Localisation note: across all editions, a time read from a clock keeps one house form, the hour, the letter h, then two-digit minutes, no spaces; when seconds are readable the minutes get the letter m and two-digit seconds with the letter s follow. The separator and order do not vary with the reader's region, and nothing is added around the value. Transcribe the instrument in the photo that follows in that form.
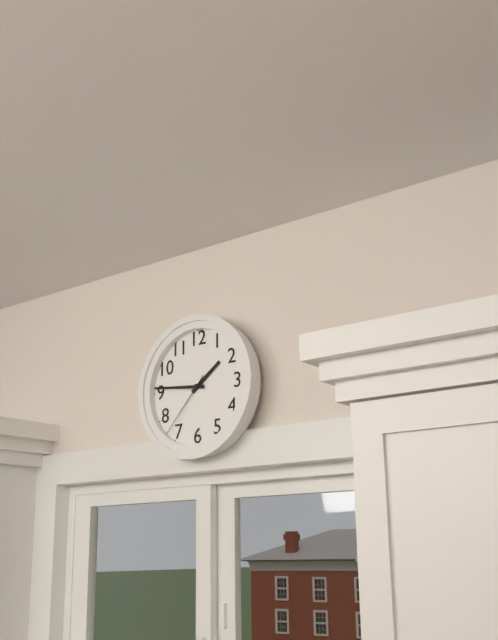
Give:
1h46m37s
